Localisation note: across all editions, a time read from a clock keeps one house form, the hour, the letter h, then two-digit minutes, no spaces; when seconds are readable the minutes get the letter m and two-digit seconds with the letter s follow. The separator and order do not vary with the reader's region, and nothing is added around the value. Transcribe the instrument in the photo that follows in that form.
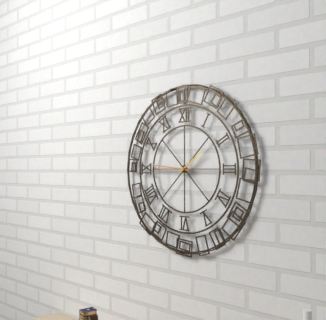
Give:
1h46
